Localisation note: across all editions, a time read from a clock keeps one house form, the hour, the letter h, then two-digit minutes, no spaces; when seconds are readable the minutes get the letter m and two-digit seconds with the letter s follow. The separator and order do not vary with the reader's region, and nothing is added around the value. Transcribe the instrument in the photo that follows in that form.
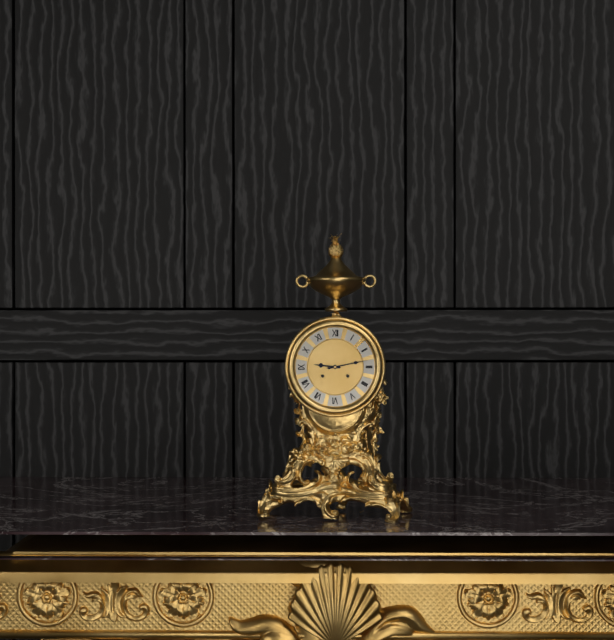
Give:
9h13
